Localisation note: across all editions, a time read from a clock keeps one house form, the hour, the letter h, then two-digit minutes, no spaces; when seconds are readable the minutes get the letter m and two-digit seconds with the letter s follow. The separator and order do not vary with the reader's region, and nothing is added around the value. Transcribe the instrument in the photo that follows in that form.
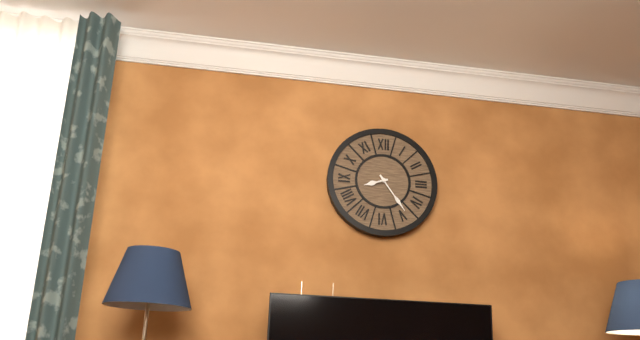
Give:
8h24
